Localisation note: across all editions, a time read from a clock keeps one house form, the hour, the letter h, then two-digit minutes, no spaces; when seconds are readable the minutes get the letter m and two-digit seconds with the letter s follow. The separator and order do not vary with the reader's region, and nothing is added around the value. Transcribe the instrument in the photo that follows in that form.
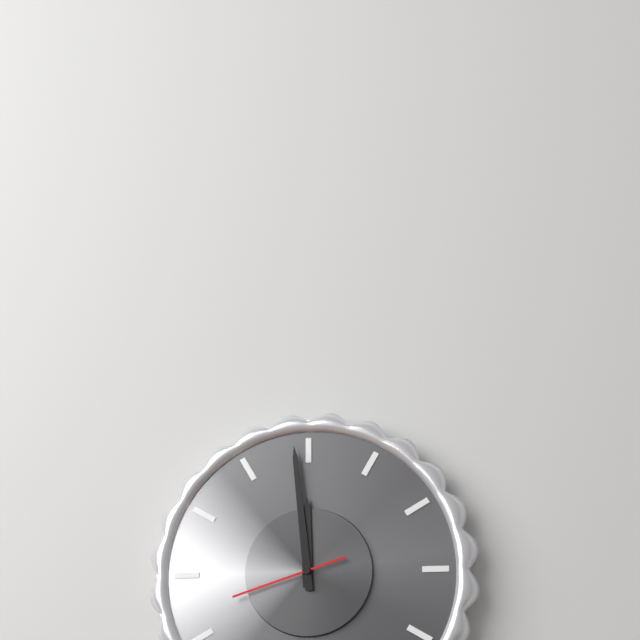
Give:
11h59m42s
